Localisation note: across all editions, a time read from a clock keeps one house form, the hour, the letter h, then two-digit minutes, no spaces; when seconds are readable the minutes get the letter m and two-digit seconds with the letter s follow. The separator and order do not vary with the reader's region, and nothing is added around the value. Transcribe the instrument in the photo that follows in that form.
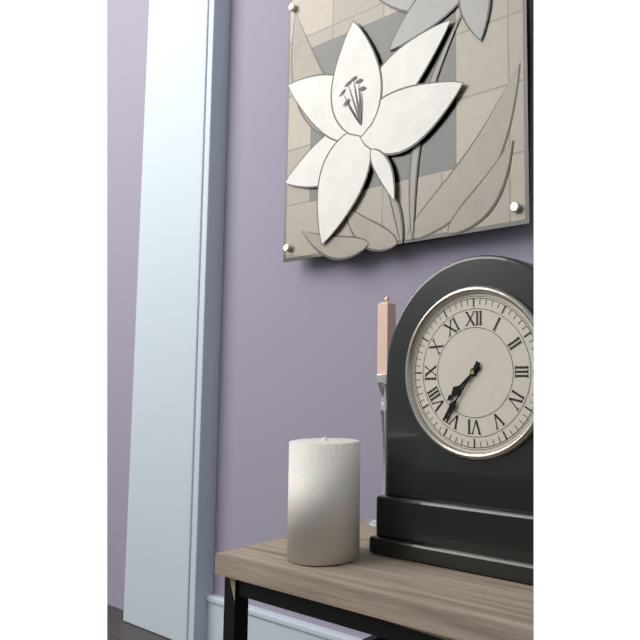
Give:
7h36
